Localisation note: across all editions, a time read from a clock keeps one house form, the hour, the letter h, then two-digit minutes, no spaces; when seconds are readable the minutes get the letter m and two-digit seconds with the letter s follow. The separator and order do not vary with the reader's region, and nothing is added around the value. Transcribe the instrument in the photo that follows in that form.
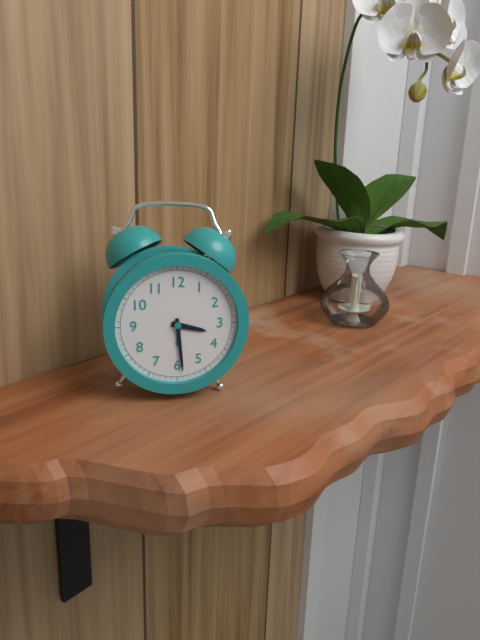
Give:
3h29
